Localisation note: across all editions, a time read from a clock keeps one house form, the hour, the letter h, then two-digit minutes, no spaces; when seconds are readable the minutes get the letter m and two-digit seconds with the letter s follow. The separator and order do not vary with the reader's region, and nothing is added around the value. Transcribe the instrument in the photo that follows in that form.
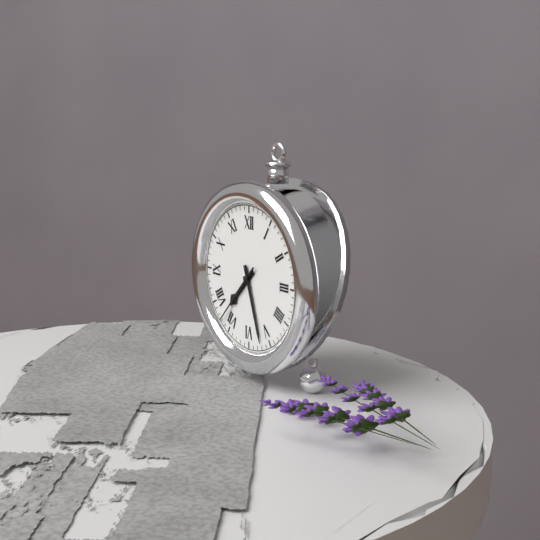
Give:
7h27m37s
